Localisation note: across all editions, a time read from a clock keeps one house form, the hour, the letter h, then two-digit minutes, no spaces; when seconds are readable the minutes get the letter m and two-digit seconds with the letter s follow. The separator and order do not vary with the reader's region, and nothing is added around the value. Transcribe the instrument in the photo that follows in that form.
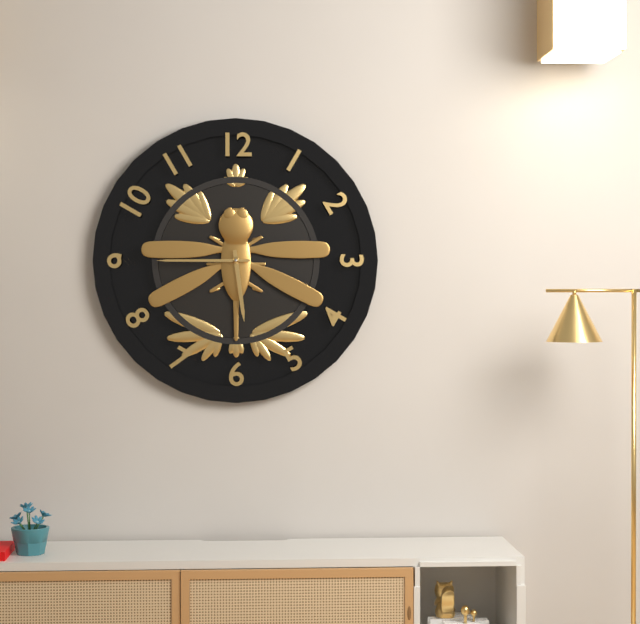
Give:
5h45
